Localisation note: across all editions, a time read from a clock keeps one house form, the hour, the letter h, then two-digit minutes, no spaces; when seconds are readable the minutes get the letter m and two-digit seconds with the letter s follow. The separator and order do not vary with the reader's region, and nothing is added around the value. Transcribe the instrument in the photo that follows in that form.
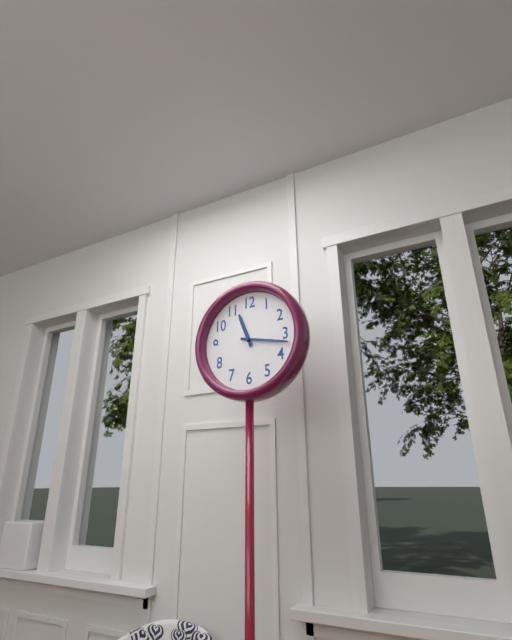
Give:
11h17
